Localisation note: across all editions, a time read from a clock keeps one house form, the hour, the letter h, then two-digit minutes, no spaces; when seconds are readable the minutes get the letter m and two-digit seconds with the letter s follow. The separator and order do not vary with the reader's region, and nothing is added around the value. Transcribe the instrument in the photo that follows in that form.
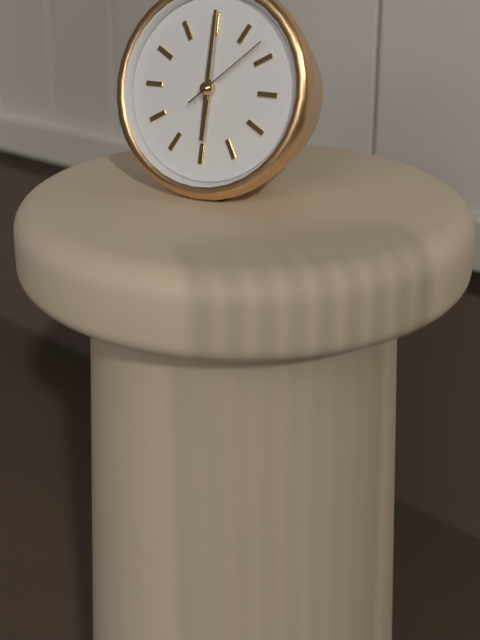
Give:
6h00m08s
